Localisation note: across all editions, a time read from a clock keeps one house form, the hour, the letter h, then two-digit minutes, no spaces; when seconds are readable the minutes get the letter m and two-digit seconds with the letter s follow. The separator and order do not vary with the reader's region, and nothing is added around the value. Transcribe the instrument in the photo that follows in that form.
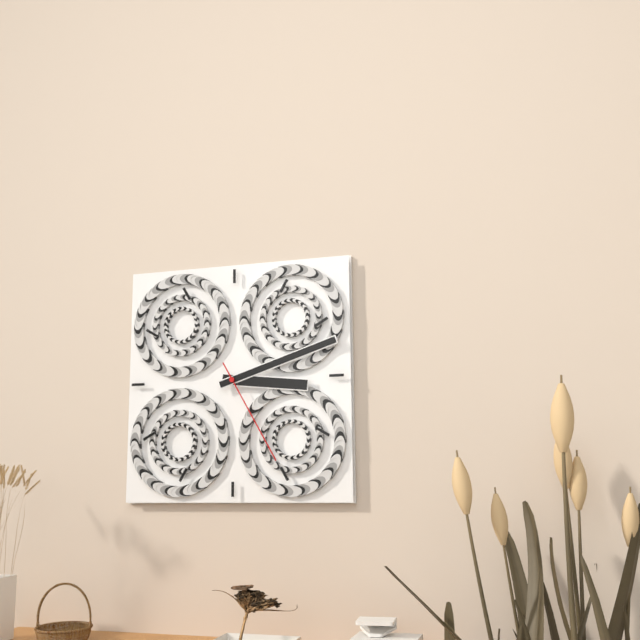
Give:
3h12m25s
